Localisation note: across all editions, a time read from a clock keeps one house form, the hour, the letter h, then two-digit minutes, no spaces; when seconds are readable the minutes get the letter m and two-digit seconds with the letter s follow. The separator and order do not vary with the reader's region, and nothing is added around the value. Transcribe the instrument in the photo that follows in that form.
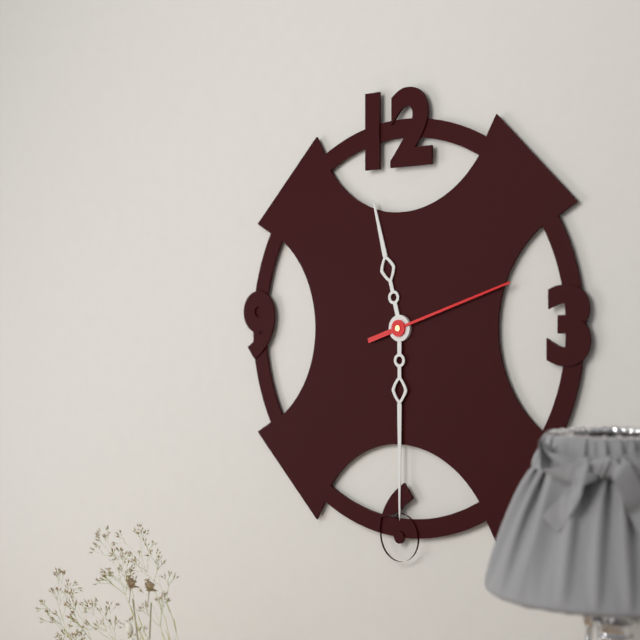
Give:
11h30m12s
